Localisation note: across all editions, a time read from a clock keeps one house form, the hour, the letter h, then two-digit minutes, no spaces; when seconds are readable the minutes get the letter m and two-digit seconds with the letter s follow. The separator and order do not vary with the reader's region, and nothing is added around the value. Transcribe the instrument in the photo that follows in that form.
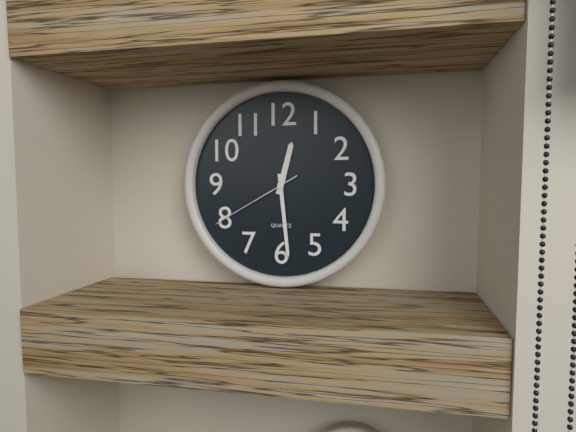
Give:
12h29m40s
